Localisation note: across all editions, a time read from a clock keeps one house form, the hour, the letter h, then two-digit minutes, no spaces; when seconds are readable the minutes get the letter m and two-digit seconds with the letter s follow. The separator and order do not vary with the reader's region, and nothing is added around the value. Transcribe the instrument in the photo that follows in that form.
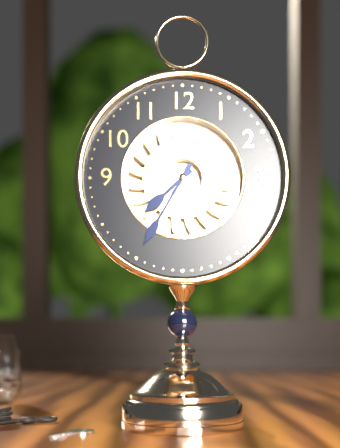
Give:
7h35
